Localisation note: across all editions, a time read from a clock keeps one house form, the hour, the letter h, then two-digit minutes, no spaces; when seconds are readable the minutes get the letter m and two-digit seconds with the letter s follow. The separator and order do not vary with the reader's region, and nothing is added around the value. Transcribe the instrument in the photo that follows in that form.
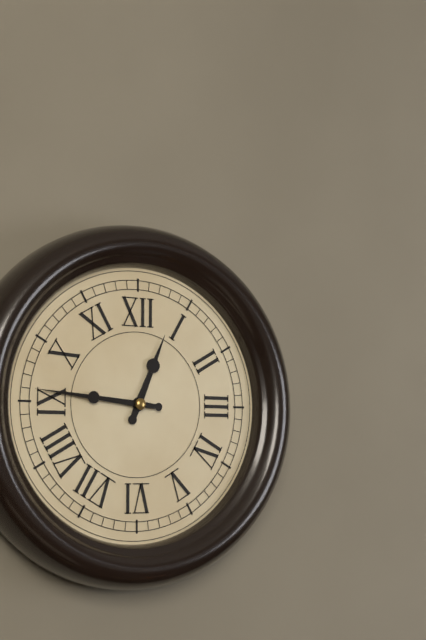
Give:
12h46
